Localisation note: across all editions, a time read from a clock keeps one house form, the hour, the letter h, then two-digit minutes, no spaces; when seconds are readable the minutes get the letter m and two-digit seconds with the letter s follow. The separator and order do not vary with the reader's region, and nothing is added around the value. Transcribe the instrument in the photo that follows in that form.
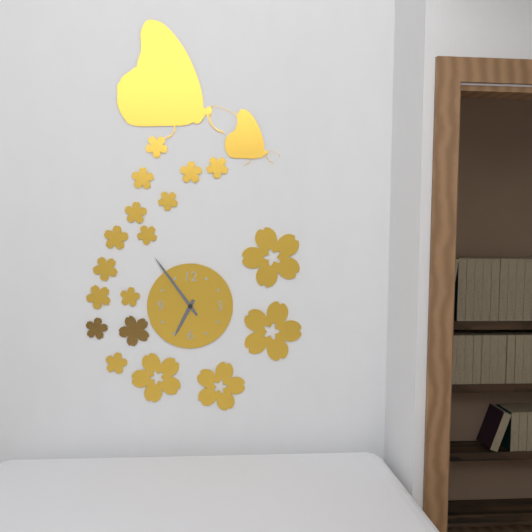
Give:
6h54
